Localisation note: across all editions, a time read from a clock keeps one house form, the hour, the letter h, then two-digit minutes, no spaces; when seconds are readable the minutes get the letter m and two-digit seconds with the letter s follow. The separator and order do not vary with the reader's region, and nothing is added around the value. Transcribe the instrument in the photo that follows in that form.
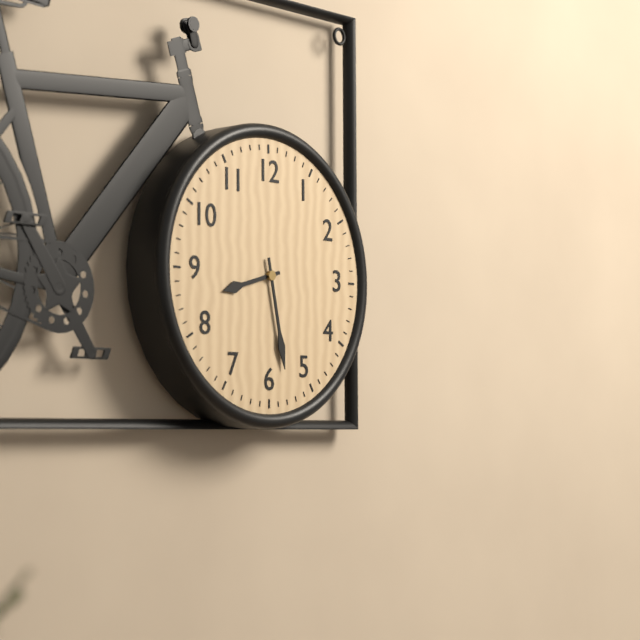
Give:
8h28
